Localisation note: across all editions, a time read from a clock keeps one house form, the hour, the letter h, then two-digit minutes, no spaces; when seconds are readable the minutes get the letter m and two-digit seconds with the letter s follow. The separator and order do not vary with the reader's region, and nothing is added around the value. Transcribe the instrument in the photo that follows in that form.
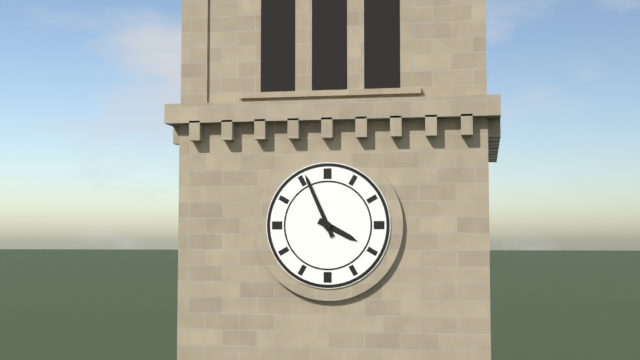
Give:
3h56
